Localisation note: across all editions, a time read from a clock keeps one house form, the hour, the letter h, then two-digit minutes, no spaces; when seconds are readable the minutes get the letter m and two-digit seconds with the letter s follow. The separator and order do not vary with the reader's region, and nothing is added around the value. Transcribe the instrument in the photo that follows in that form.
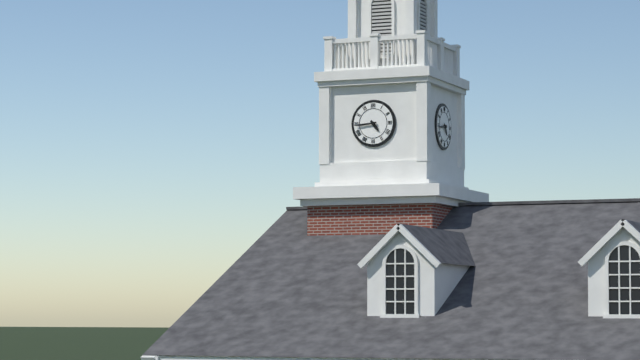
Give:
4h44
